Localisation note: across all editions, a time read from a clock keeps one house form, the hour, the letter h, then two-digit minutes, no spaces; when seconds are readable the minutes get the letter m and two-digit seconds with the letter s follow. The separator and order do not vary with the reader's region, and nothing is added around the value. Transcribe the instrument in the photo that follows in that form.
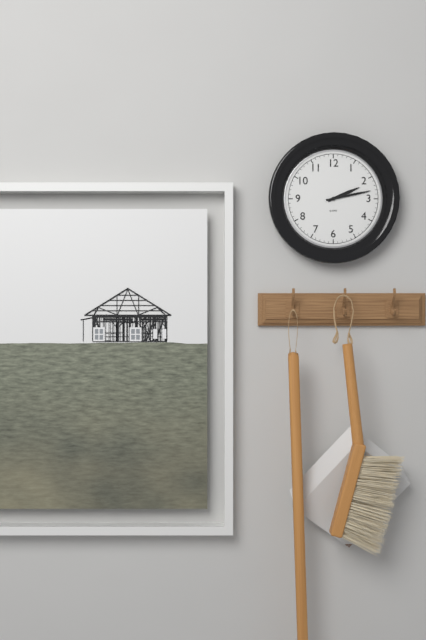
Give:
2h13
